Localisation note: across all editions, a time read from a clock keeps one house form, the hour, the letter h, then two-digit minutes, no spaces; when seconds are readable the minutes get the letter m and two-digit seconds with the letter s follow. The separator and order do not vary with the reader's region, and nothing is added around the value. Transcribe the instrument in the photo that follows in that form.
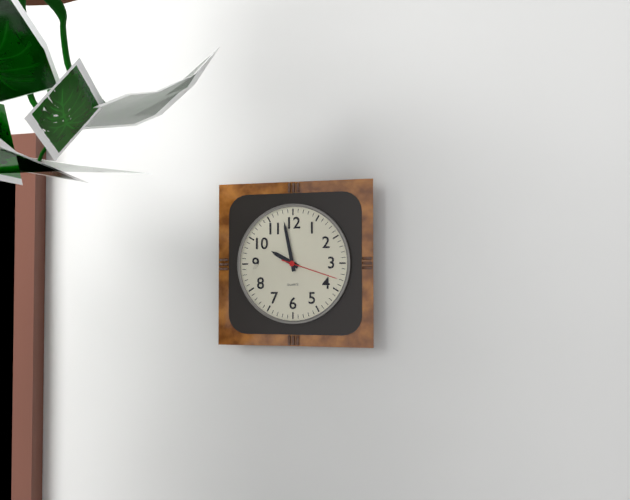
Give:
9h58m18s
